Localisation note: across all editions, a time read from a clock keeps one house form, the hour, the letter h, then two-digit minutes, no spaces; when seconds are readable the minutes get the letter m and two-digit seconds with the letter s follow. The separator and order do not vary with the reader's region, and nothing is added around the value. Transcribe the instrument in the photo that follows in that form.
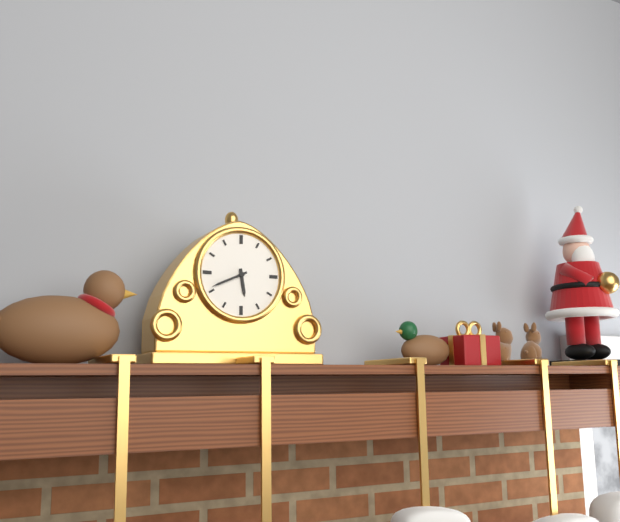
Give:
5h41
